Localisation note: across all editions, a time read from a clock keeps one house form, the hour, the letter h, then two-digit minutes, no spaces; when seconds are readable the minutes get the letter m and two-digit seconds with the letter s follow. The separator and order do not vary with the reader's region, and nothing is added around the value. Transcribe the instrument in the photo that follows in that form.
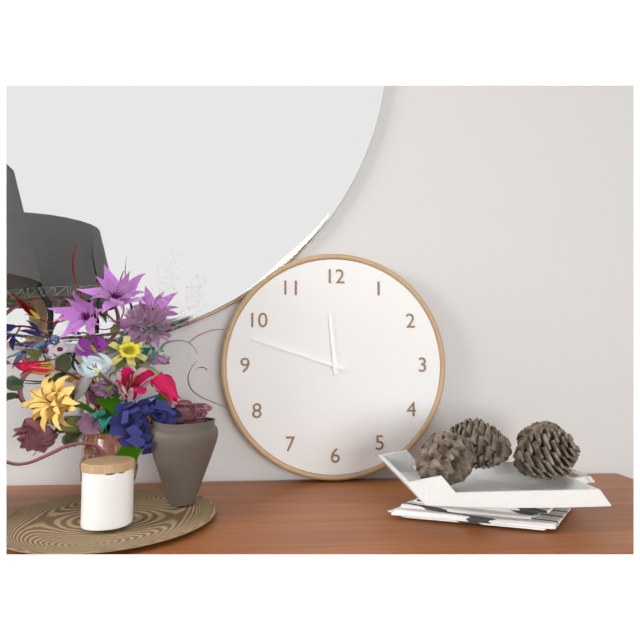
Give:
11h48
